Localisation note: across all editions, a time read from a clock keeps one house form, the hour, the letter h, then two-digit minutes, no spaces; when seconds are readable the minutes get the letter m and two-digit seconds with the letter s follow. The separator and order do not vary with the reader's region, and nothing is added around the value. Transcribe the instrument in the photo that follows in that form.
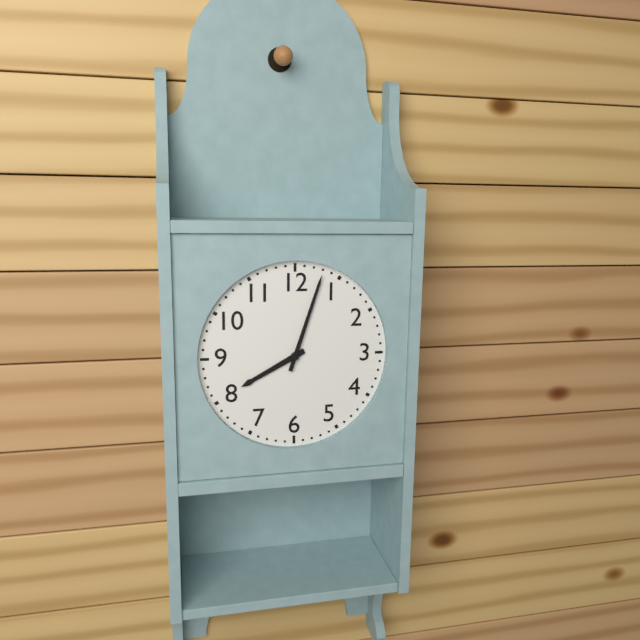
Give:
8h03
